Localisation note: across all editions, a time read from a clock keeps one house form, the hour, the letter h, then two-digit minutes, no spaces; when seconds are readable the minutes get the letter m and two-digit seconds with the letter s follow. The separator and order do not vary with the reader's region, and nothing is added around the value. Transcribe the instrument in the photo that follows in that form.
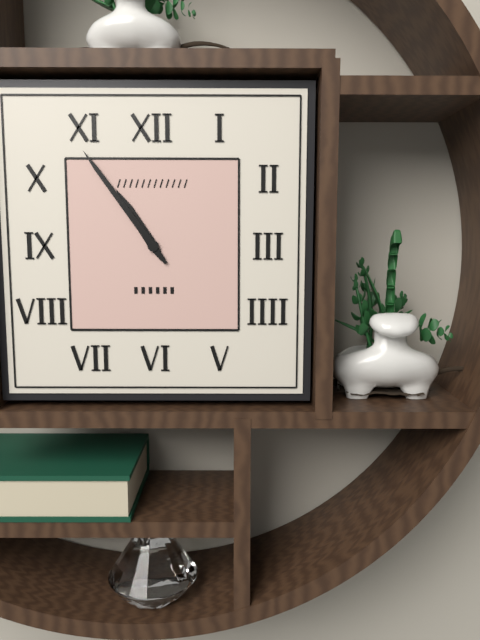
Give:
10h54
